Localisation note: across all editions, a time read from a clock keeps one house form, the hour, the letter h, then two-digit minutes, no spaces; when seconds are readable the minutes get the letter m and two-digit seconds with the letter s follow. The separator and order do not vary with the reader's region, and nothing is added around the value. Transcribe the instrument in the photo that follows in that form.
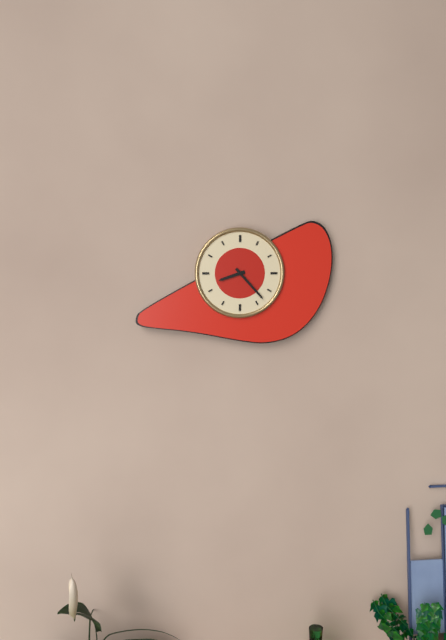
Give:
8h23
